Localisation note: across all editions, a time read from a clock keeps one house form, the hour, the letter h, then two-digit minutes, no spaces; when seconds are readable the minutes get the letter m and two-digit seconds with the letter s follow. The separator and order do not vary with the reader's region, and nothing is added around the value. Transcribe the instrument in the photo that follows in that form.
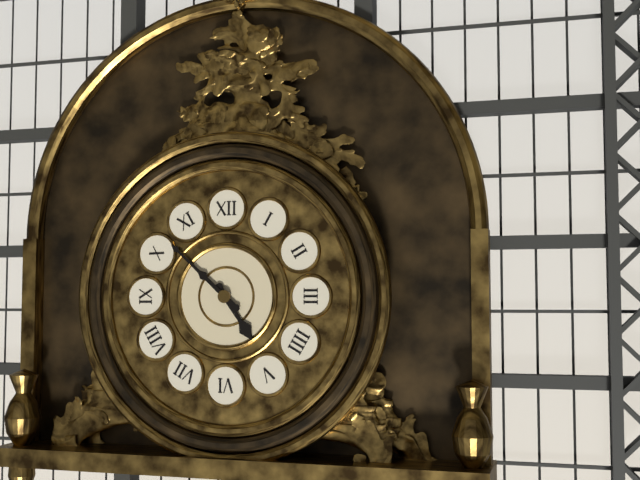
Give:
4h52
